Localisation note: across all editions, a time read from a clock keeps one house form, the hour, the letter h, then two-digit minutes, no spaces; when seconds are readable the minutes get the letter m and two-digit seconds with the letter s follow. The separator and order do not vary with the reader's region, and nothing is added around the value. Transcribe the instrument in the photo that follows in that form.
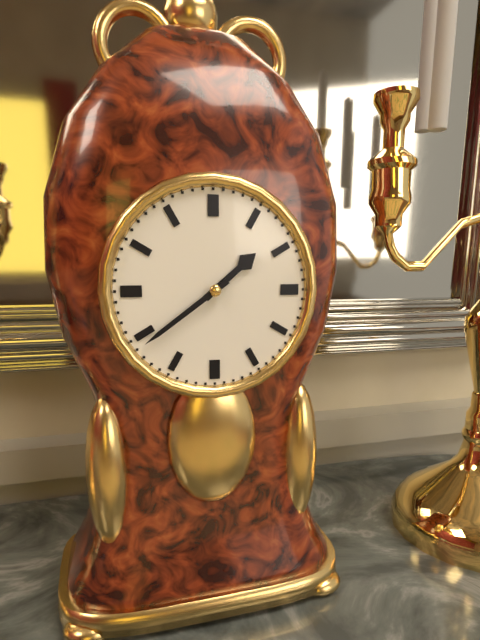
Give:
1h39
